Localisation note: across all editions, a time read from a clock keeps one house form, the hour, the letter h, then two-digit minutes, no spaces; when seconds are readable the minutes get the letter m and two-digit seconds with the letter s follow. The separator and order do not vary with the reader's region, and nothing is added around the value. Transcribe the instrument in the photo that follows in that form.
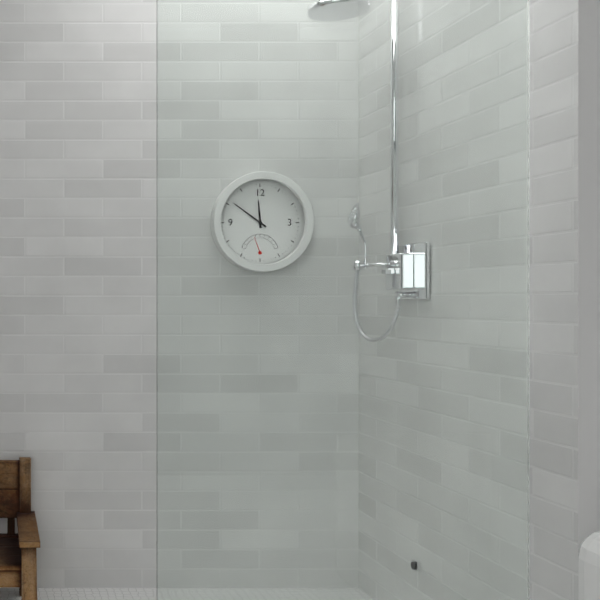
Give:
11h51
